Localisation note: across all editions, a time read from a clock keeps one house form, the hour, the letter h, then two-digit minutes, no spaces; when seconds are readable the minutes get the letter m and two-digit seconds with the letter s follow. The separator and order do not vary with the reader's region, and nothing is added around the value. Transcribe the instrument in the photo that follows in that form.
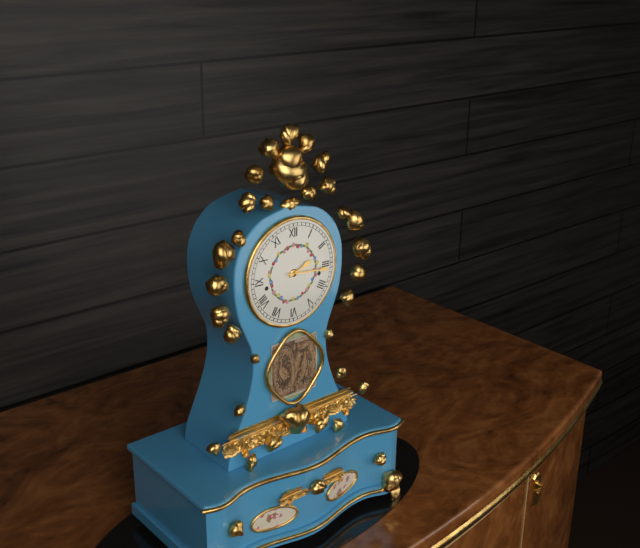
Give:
2h16
